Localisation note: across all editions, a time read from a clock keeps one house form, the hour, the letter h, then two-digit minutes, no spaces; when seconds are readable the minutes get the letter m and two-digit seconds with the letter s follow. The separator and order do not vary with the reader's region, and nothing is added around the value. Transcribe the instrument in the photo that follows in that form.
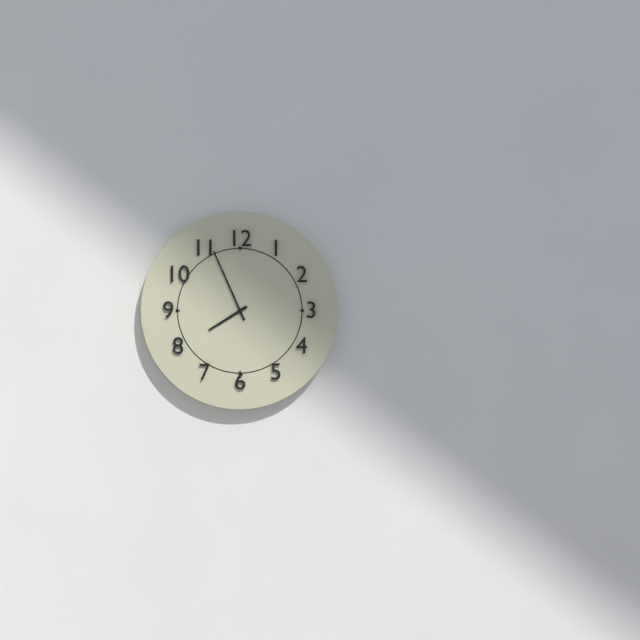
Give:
7h56
